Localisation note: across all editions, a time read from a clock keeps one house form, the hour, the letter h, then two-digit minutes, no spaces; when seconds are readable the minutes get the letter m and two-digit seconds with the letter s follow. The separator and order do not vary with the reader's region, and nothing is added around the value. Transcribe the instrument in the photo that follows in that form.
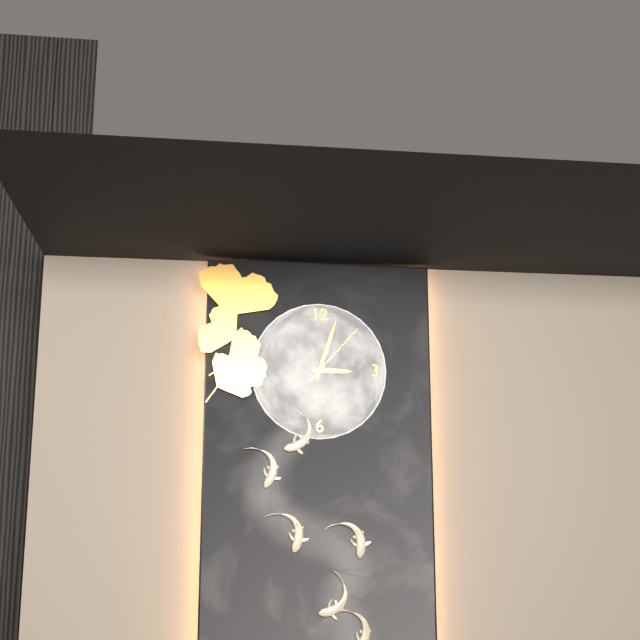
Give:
3h03m07s
